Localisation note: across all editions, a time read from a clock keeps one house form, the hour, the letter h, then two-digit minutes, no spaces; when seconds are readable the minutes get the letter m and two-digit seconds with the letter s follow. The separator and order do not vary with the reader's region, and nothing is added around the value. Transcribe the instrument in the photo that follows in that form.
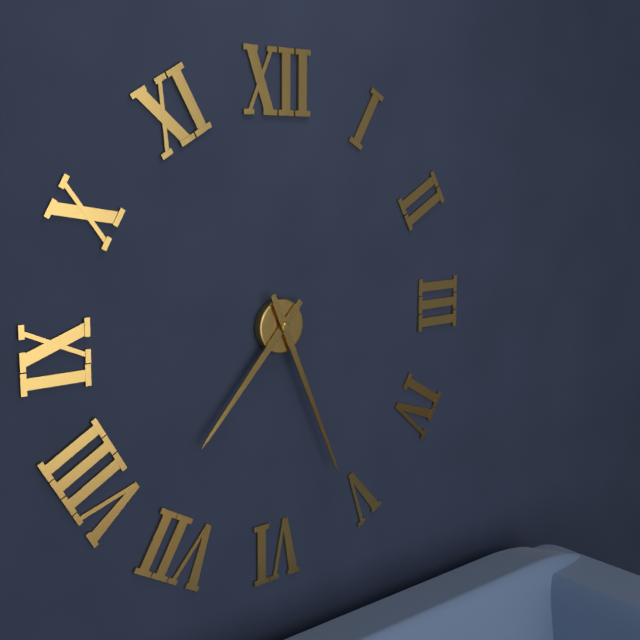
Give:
7h26
